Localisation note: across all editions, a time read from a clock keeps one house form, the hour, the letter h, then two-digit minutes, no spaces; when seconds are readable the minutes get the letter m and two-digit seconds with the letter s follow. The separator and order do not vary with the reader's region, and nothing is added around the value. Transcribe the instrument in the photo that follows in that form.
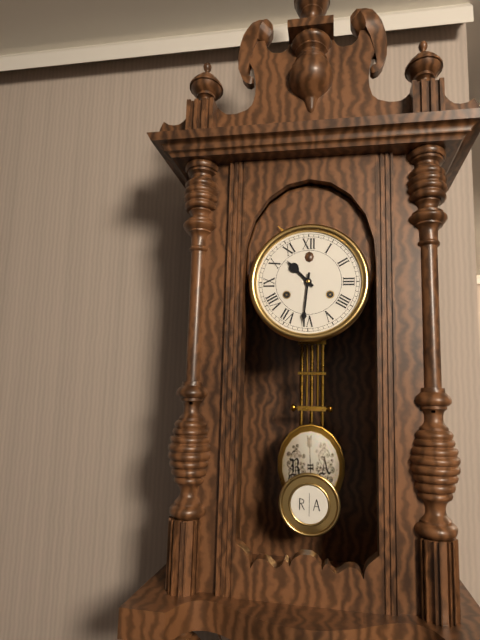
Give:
10h31
